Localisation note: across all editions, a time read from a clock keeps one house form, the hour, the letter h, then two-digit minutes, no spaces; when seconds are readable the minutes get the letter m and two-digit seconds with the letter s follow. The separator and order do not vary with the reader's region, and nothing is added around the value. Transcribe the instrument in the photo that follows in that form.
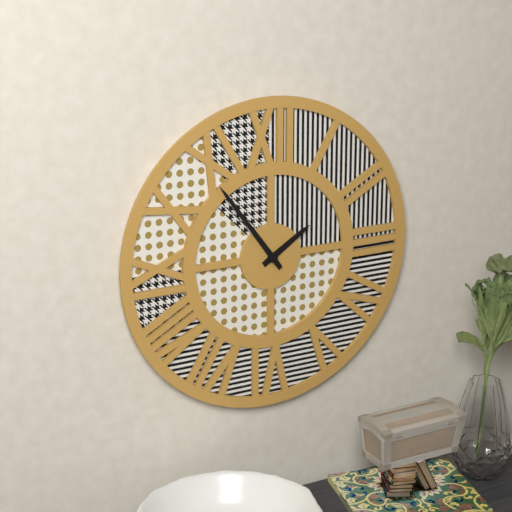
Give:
1h54
